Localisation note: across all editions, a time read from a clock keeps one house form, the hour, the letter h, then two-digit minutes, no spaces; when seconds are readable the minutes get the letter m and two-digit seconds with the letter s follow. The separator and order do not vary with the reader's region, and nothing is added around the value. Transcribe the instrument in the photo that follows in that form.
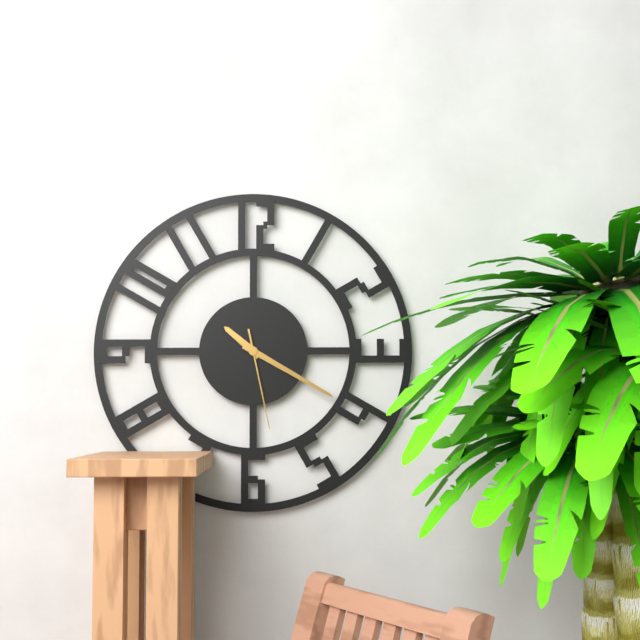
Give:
10h20m28s
